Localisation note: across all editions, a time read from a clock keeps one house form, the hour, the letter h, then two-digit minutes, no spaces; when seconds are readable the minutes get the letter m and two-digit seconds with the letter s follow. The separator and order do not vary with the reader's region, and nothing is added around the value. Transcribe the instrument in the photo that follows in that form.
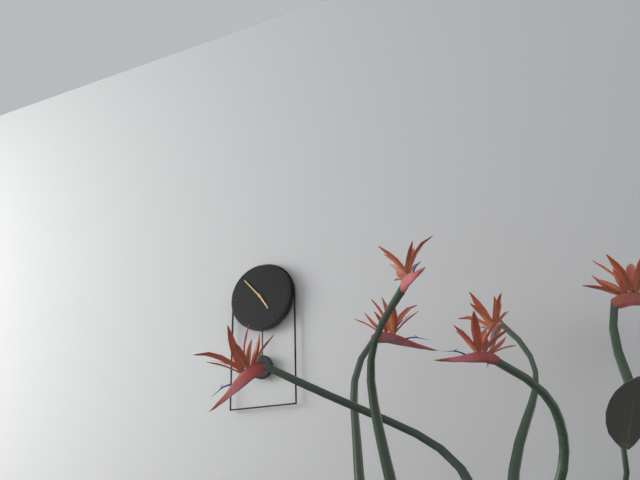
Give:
4h53
